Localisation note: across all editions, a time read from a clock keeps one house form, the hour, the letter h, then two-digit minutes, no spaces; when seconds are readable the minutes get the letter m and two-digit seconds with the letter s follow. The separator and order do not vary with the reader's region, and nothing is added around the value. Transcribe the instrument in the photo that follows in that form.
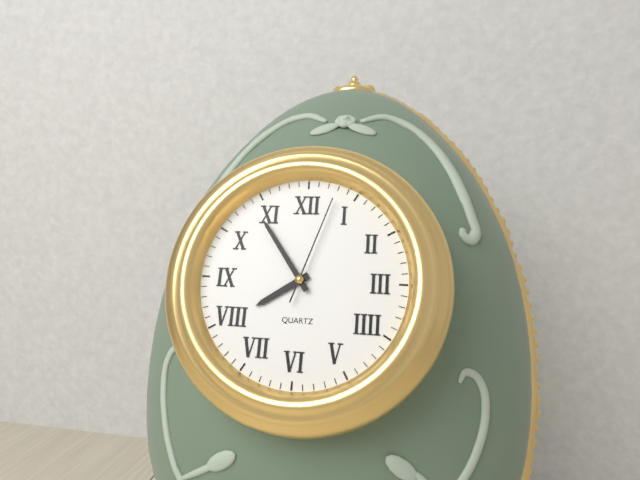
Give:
7h54m03s
